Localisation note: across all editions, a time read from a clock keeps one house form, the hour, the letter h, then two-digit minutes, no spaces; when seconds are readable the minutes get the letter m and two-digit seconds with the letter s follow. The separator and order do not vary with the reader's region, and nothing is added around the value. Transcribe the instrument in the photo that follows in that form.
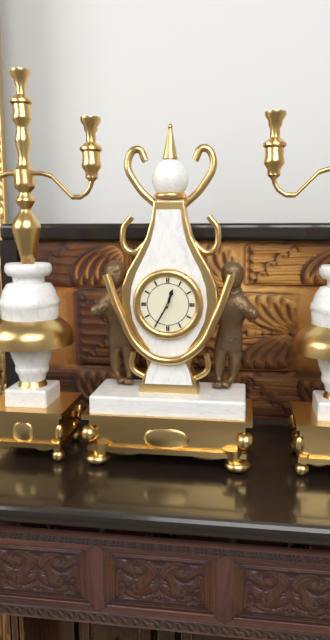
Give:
12h35
